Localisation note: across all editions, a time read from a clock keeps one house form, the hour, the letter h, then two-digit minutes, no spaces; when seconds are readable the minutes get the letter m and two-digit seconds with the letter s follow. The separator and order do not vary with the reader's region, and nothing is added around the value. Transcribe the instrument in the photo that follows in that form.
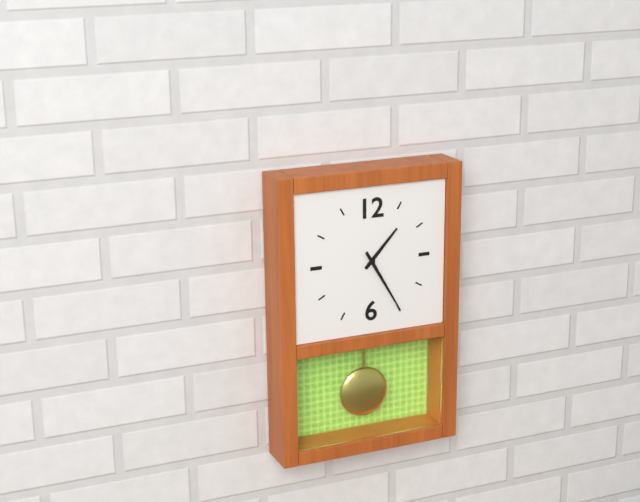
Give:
1h25
